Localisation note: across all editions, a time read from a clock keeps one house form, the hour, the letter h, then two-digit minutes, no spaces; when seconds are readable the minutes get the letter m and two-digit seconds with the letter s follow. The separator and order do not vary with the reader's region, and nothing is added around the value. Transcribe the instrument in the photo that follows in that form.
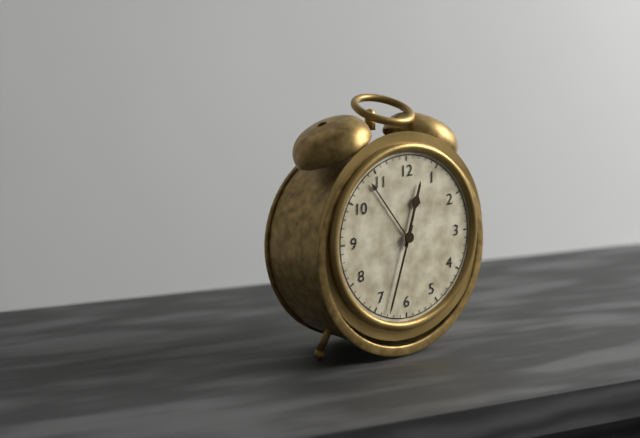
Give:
12h33
